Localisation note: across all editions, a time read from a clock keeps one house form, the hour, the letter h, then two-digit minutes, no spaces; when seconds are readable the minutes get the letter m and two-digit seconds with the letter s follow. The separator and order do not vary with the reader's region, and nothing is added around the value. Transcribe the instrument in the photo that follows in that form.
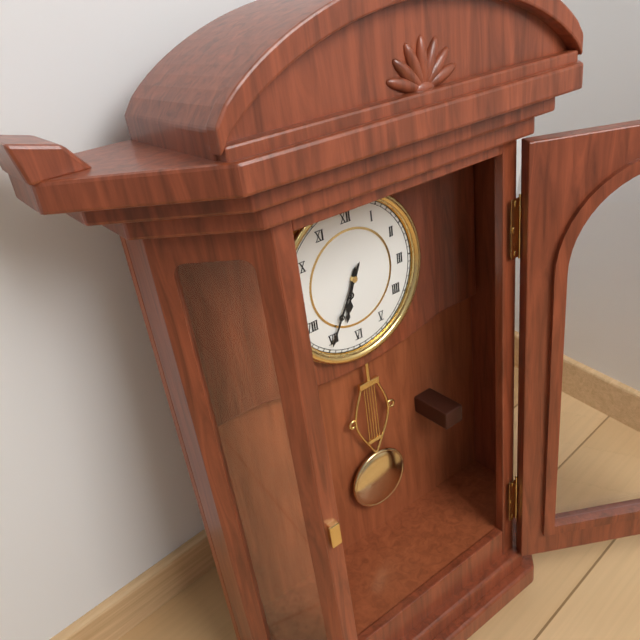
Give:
6h35
